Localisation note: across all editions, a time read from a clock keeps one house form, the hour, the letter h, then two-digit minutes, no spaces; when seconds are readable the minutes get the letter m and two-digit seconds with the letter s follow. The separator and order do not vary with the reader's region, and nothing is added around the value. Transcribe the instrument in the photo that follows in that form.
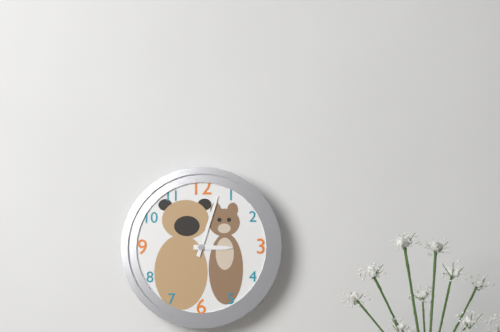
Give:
3h03
